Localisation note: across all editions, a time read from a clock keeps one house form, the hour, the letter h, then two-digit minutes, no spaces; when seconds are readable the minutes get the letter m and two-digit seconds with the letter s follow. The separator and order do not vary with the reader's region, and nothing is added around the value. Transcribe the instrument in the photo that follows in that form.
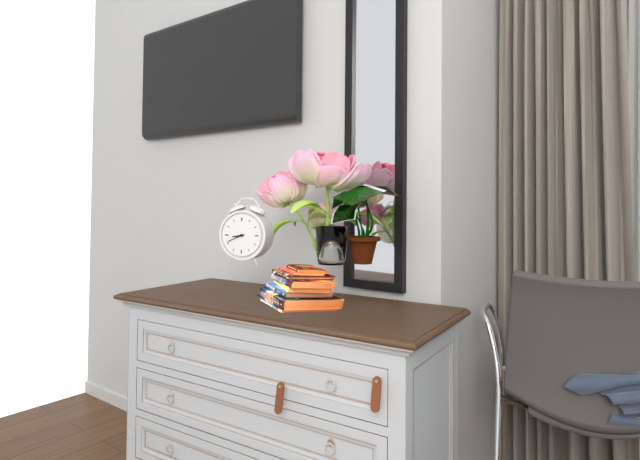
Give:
8h41
